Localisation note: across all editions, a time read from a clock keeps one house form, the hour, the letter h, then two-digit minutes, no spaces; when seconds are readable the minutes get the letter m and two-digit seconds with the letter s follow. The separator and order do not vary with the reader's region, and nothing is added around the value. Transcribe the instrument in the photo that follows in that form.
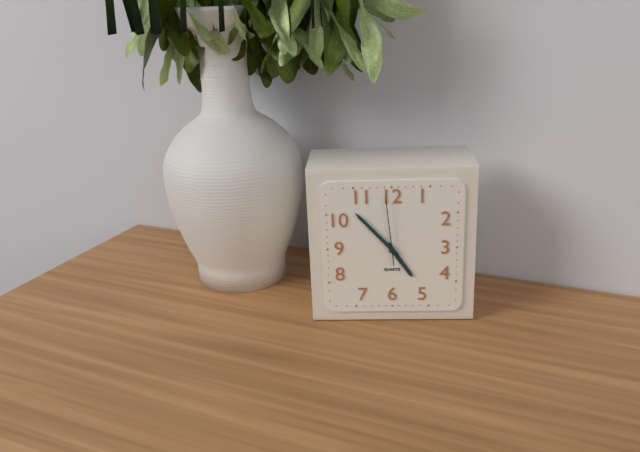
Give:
4h53m59s
